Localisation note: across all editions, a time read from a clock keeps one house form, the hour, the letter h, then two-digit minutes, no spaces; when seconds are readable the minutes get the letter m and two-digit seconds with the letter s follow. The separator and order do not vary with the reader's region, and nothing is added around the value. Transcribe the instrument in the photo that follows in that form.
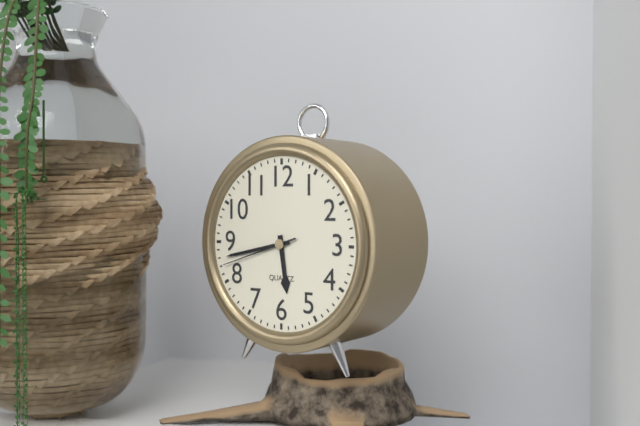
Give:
5h43m42s
